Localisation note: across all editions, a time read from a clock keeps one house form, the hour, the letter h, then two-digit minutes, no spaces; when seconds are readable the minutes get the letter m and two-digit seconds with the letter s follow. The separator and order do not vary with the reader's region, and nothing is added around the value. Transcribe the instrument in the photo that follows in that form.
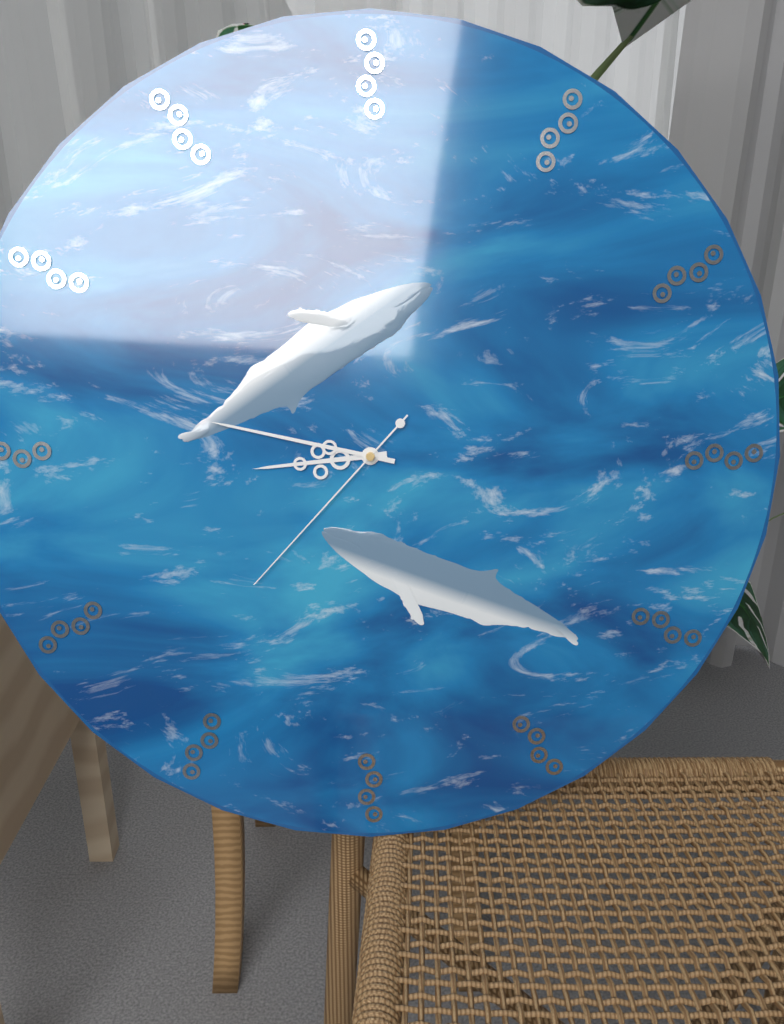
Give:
8h47m37s
